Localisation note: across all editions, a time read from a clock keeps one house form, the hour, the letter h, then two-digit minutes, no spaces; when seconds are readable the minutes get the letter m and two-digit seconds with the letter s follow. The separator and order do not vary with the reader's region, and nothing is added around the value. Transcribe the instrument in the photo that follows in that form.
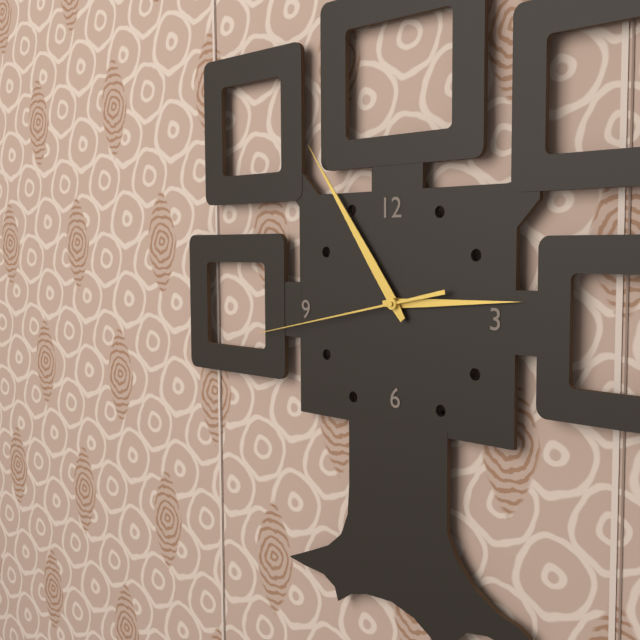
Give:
2h54m43s
